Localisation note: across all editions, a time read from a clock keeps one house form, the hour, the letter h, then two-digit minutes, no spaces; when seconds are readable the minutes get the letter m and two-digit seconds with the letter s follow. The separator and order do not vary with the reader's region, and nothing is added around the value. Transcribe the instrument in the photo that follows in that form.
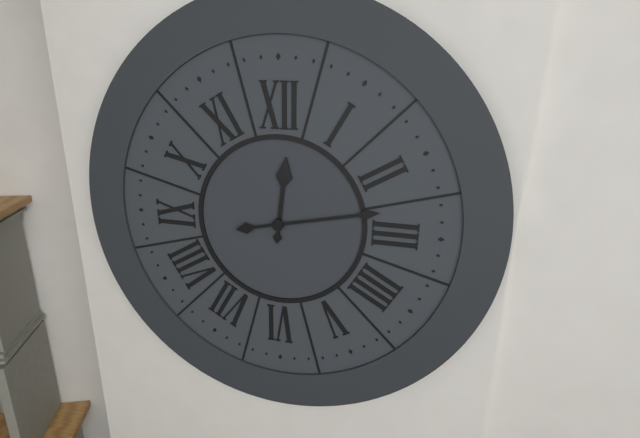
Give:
12h13
